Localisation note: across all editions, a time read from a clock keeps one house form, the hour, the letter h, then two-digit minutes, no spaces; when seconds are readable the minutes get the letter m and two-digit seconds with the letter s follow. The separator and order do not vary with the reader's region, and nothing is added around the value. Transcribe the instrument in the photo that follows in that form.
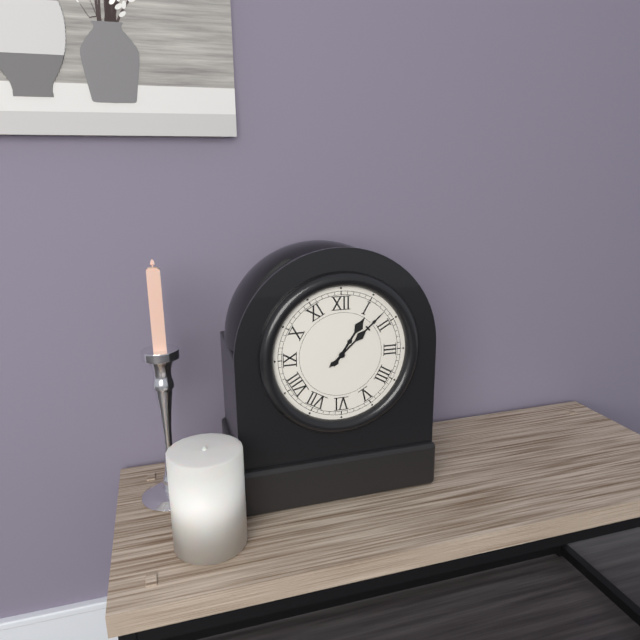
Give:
1h08
